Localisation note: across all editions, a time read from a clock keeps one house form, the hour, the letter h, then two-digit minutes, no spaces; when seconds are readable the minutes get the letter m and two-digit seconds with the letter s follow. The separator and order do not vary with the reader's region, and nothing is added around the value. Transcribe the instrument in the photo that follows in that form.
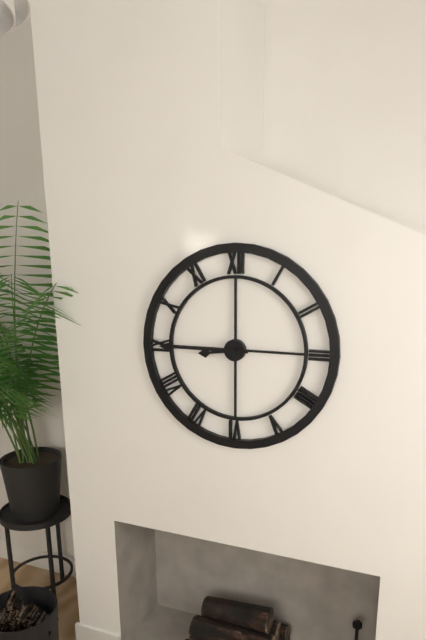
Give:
8h45
